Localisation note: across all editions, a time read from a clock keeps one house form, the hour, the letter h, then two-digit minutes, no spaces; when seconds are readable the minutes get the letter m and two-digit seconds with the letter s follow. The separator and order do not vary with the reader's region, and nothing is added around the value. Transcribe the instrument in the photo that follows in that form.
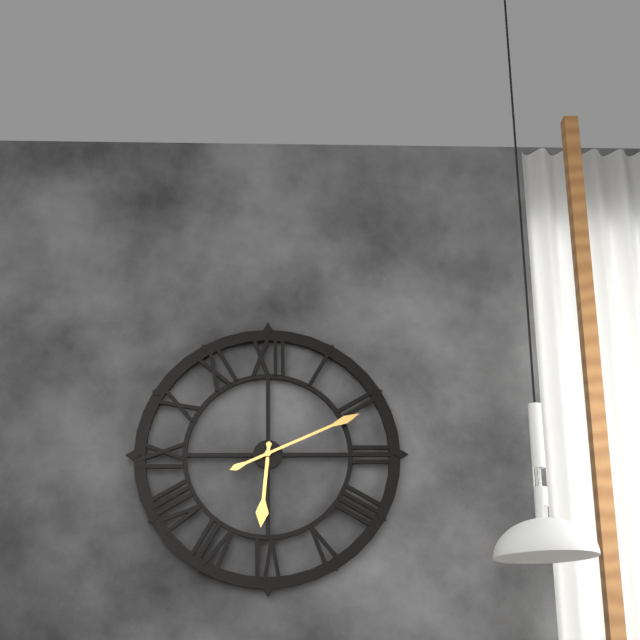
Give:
6h11
